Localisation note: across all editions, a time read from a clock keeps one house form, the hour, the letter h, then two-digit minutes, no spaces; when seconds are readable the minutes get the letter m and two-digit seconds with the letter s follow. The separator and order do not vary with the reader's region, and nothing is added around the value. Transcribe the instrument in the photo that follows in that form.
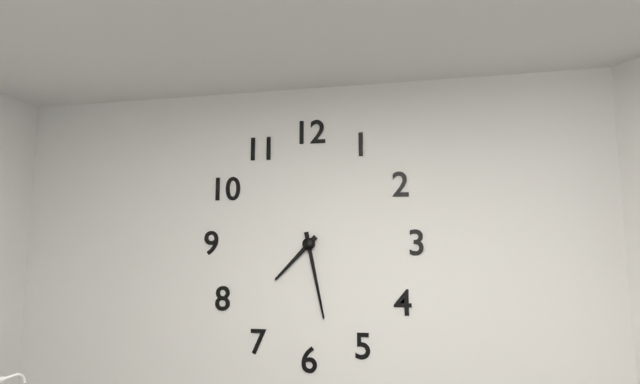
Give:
7h28
